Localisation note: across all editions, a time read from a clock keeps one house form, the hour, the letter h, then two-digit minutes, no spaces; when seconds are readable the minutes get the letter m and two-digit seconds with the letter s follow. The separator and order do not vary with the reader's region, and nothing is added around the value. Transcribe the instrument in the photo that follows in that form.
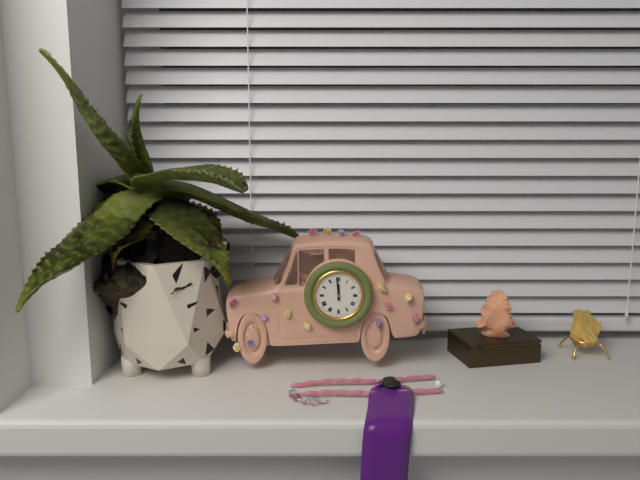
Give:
11h59
